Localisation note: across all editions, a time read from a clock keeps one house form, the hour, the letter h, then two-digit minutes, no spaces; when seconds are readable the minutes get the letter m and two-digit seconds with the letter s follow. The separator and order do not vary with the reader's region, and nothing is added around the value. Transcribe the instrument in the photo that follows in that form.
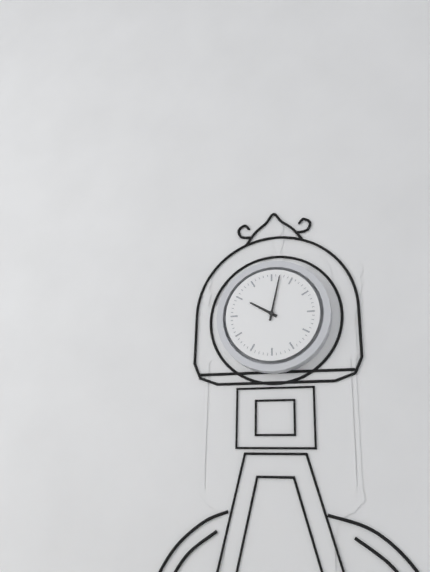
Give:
10h02
